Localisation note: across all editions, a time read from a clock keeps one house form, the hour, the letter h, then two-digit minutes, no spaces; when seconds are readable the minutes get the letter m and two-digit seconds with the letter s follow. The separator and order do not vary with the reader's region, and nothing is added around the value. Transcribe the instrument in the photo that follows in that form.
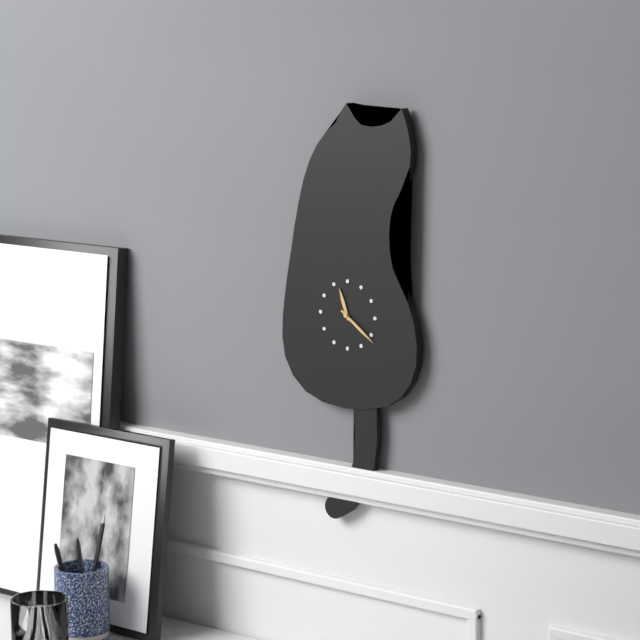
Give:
11h21
